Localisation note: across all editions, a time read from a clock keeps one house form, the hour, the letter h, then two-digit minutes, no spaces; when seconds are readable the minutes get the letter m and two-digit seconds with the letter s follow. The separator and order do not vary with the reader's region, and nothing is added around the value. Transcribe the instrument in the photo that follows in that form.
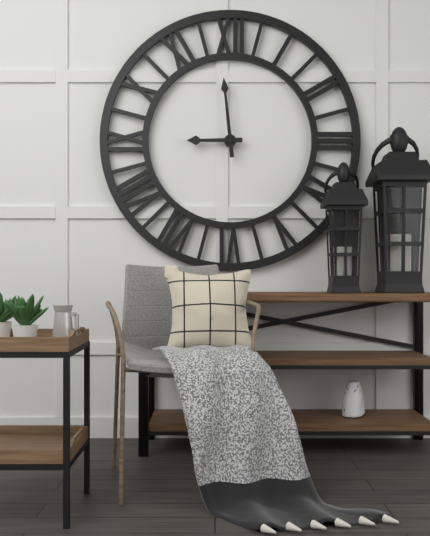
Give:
8h59
